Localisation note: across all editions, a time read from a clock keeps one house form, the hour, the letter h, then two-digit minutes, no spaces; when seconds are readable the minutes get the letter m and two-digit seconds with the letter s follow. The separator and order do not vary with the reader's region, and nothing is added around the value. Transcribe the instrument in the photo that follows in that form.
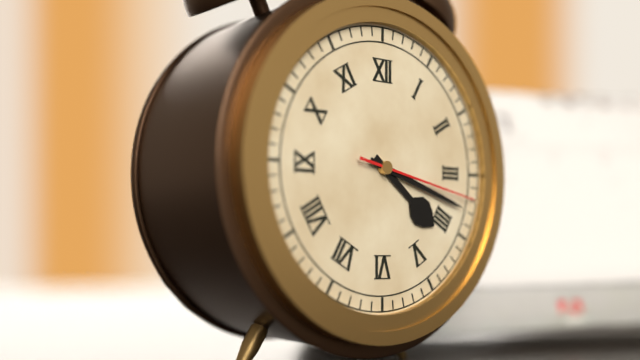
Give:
4h18m17s
